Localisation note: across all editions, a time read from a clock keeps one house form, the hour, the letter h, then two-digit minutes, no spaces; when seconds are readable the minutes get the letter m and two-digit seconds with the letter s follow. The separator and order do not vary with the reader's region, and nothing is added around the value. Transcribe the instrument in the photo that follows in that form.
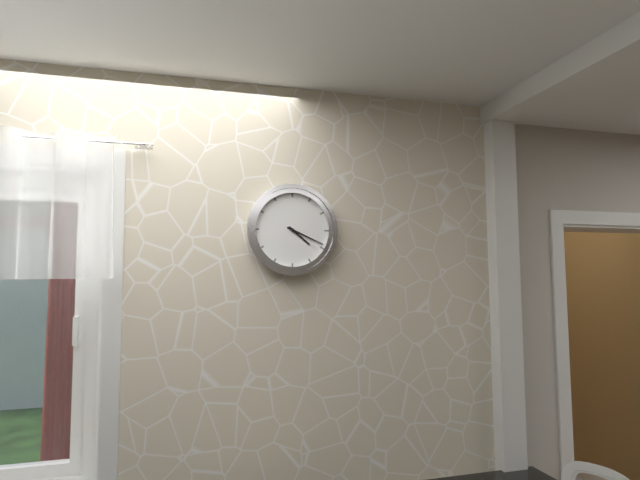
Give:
4h19
